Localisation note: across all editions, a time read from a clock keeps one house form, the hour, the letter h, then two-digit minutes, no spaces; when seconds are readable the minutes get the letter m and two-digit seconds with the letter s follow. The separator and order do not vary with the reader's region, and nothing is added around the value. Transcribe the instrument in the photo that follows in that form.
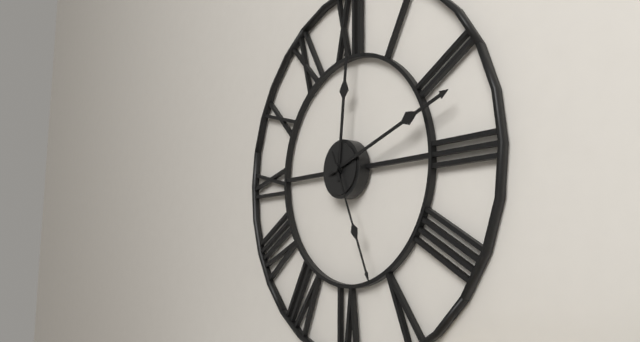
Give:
12h12m26s
